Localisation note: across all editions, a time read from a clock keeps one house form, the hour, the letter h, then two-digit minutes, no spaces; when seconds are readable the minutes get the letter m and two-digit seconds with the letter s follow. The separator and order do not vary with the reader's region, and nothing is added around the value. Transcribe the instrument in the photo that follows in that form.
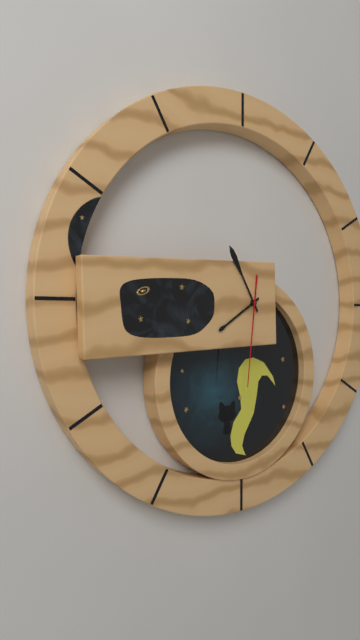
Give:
7h55m31s
